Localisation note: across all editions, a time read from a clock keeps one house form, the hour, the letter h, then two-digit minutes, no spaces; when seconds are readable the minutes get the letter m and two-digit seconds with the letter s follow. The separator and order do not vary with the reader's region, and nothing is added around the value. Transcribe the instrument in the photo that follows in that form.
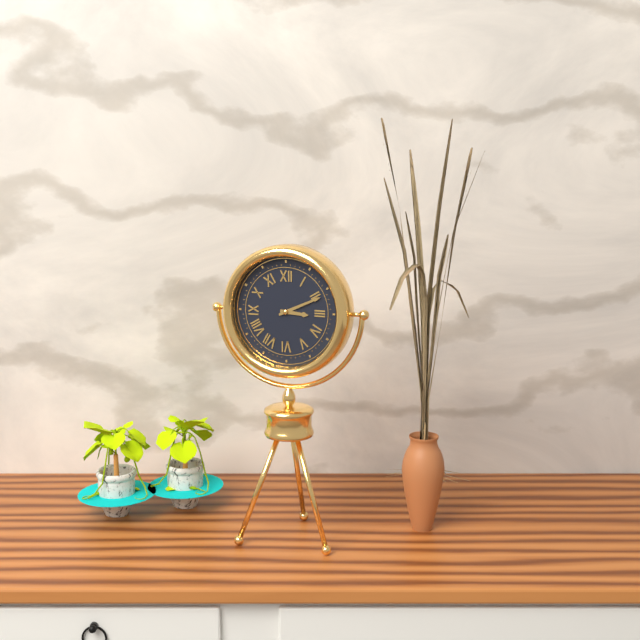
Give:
3h11
